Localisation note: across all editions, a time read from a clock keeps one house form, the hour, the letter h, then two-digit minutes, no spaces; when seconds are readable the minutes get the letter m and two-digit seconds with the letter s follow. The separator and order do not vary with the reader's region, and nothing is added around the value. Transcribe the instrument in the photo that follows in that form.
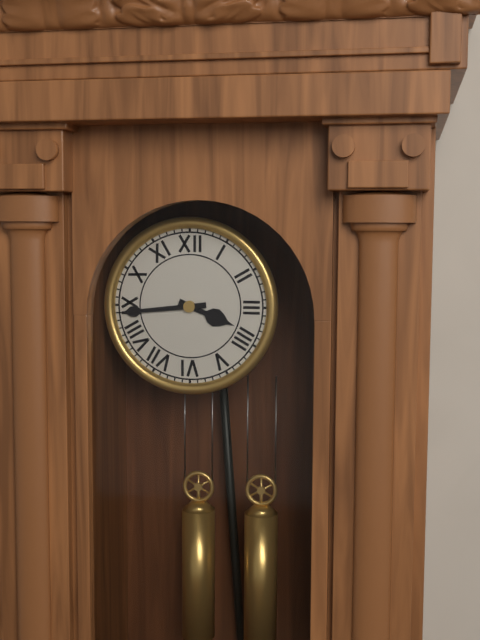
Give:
3h44
